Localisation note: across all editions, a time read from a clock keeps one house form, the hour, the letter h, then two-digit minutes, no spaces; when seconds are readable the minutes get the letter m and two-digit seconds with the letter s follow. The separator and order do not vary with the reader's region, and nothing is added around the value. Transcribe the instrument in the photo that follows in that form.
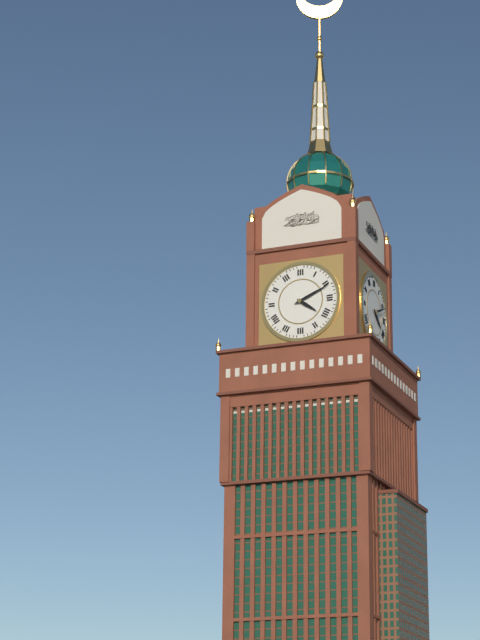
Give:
4h11
